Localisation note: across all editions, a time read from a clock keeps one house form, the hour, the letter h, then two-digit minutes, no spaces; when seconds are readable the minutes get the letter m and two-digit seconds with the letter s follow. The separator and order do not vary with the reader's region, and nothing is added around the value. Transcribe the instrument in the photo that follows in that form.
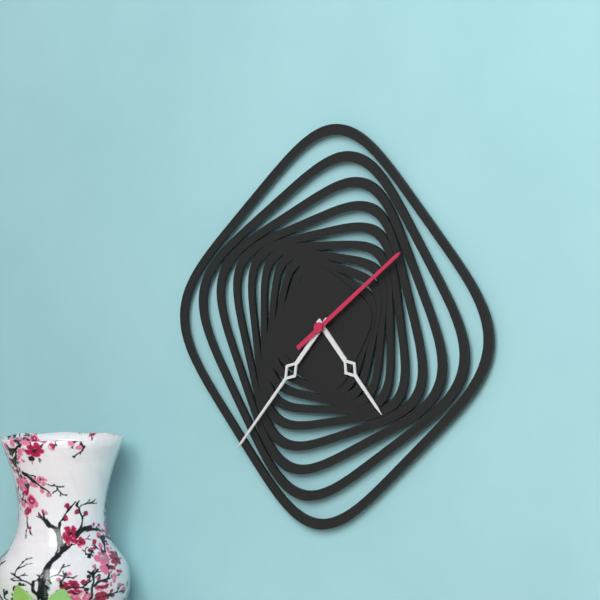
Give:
4h37m09s
